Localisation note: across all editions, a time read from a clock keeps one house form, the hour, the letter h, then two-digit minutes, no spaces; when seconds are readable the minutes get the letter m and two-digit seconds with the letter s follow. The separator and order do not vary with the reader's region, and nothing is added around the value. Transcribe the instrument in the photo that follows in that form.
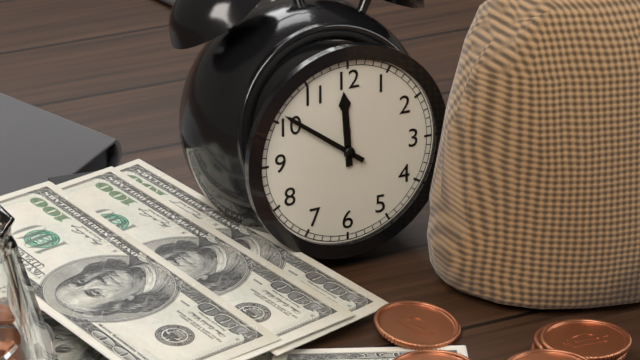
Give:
11h51
